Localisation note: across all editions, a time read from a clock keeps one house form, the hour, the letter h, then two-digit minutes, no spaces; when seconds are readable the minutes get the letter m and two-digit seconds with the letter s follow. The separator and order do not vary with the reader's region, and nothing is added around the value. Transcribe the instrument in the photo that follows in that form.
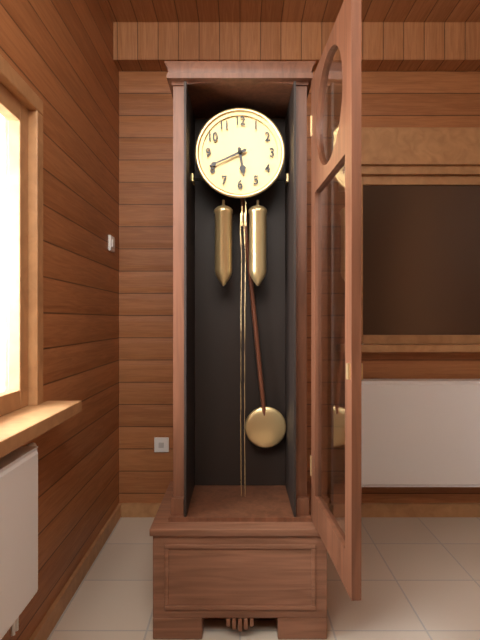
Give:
5h41
